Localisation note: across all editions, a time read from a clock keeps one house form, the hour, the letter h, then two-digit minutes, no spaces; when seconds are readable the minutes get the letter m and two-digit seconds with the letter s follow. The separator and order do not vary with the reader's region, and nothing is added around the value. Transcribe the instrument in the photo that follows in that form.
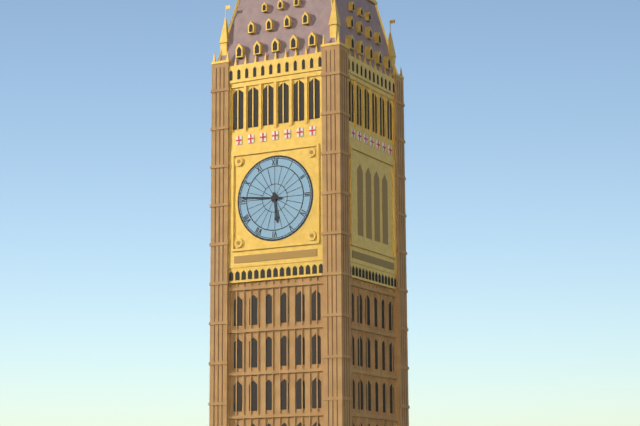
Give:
5h46
